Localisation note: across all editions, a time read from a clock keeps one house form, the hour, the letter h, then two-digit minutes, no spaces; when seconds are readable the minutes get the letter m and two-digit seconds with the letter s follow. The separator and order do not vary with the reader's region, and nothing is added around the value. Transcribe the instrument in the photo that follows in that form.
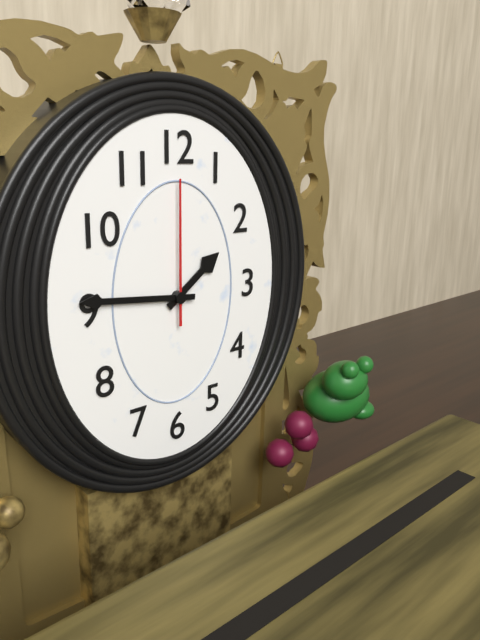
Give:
1h46m00s
